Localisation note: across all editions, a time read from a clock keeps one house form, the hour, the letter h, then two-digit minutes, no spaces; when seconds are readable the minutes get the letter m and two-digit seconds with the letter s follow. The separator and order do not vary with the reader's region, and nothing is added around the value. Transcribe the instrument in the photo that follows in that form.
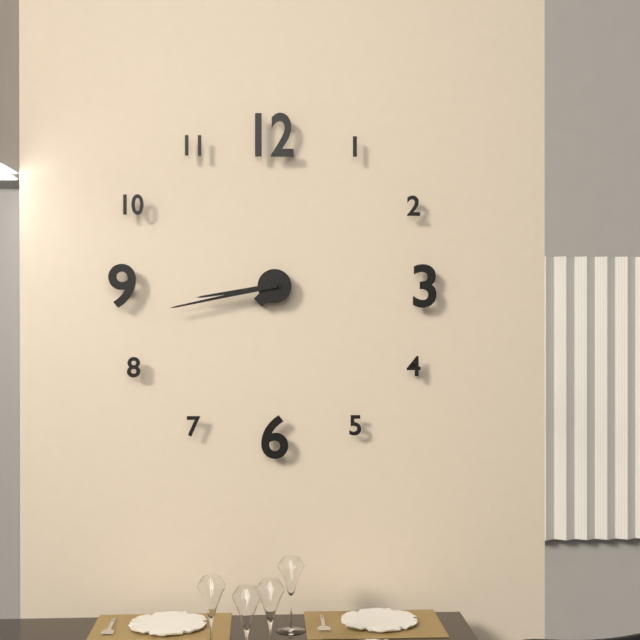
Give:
8h43
